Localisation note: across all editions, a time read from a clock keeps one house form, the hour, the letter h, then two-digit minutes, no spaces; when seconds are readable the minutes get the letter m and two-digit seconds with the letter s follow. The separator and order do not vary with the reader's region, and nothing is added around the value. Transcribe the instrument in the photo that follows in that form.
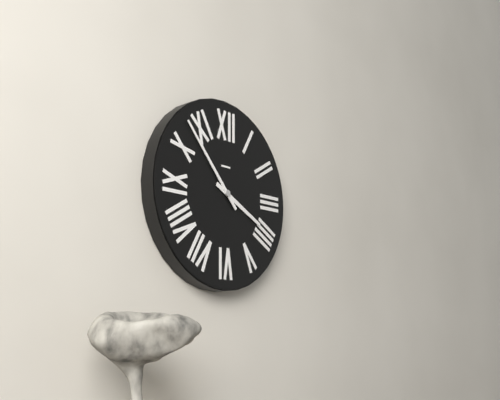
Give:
3h53
